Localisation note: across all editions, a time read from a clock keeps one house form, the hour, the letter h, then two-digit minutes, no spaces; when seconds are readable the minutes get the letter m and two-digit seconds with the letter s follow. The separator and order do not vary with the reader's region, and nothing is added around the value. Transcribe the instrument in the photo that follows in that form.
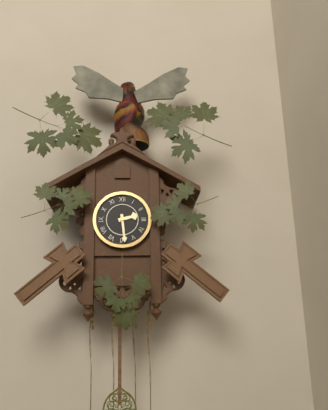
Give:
2h29
